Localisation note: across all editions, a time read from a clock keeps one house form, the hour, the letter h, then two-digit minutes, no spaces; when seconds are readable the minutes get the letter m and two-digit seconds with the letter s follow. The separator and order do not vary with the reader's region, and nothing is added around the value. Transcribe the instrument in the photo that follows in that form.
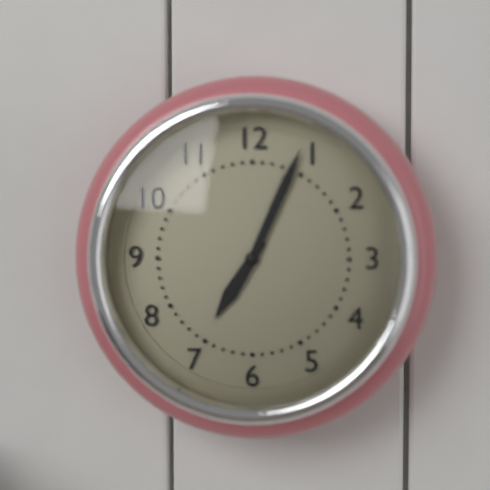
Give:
7h04
